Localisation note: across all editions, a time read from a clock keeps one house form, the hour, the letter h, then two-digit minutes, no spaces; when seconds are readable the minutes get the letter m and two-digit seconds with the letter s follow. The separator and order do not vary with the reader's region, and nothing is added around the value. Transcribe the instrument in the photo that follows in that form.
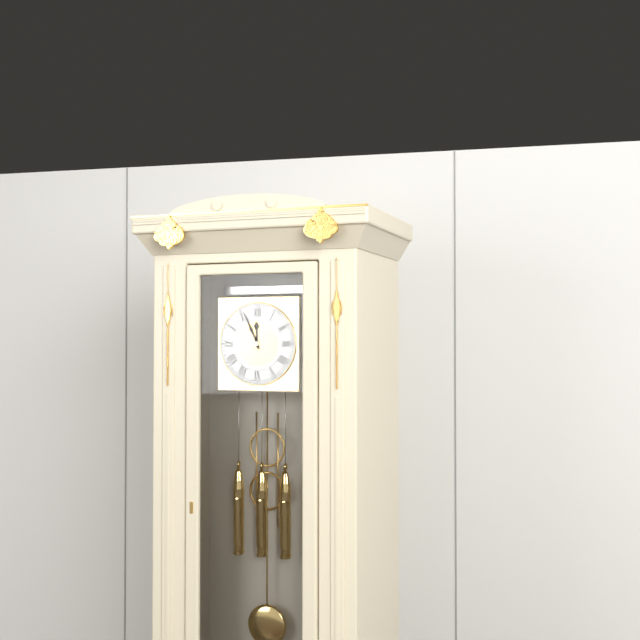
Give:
11h56
